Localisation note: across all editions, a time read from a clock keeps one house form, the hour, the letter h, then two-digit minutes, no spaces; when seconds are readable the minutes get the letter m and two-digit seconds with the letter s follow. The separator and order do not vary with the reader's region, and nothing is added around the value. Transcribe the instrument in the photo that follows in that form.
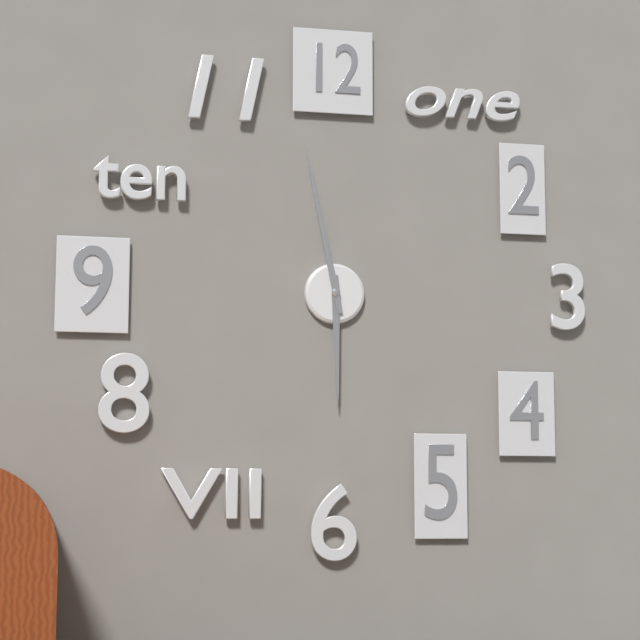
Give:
5h58
